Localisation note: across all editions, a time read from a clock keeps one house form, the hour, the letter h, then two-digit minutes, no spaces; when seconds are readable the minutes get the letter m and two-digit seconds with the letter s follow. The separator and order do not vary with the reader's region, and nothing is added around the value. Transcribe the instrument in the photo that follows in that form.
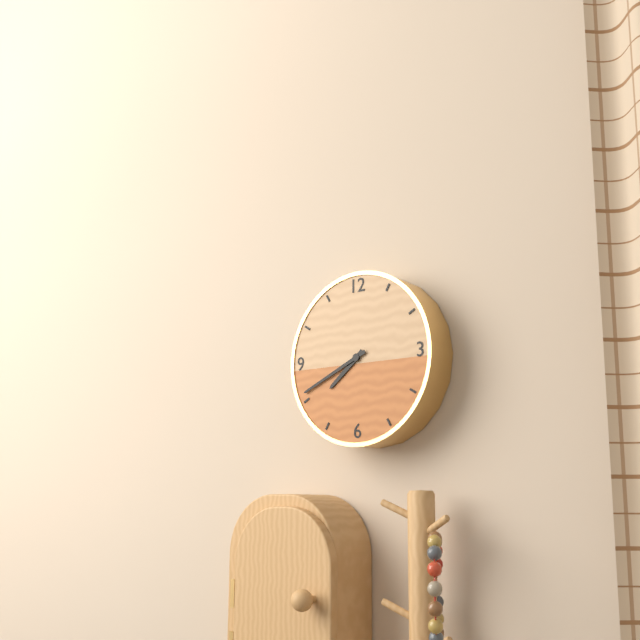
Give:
7h41
